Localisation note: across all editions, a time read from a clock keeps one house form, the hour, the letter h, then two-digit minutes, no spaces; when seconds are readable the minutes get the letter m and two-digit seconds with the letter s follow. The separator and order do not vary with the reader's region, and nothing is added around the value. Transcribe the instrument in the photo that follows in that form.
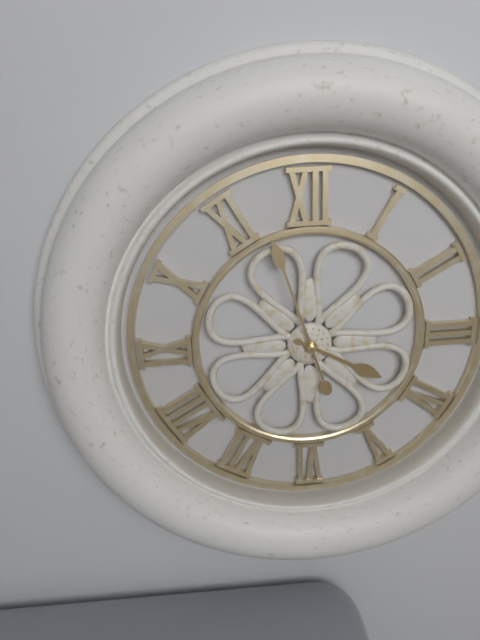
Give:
3h57
